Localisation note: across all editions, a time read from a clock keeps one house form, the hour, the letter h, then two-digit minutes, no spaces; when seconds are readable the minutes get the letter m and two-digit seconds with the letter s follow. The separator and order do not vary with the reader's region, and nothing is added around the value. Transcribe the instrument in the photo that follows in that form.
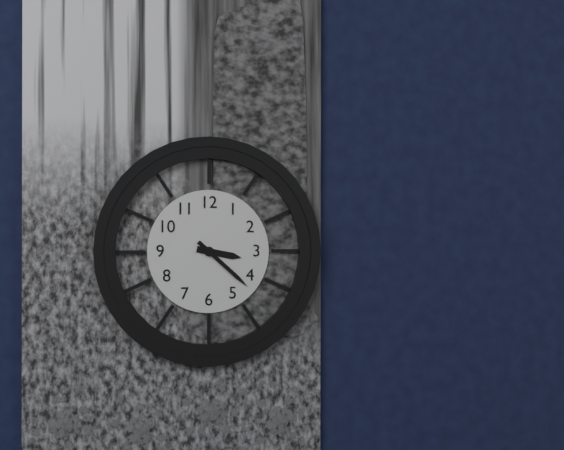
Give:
3h22
